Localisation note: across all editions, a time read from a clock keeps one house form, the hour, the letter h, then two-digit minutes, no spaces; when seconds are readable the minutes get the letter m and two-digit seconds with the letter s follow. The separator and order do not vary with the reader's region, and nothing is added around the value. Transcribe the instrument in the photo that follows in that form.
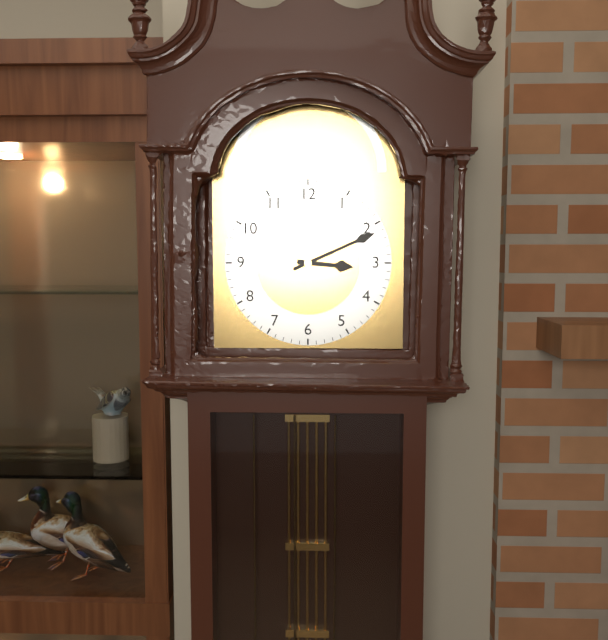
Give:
3h11
